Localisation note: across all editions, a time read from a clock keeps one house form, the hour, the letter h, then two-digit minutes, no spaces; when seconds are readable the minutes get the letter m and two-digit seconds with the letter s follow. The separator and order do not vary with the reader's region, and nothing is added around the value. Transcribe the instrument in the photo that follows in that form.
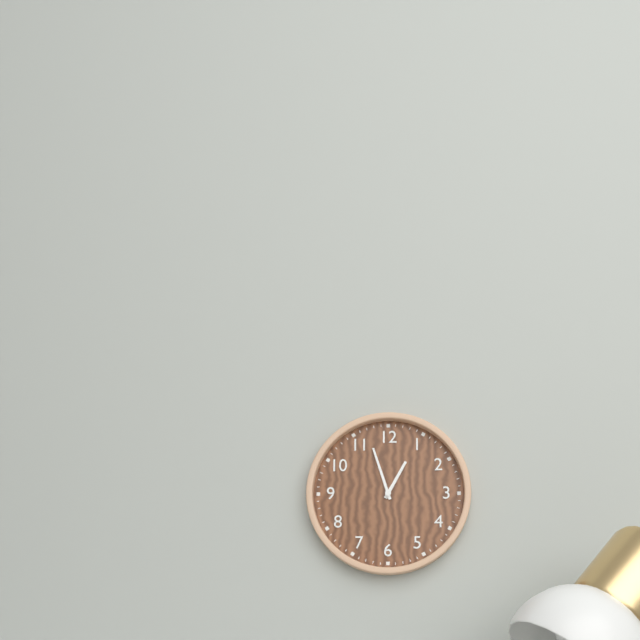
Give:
12h57
